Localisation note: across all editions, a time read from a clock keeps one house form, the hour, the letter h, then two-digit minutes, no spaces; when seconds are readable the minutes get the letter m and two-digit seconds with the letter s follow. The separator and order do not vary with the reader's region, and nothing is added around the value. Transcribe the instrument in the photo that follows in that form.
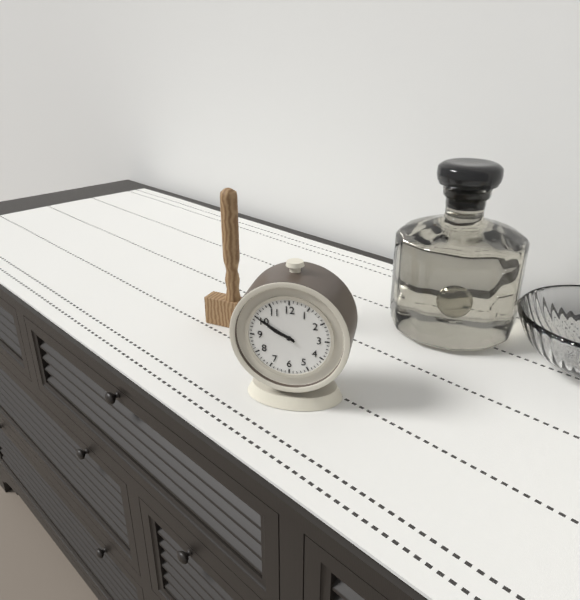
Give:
9h50
